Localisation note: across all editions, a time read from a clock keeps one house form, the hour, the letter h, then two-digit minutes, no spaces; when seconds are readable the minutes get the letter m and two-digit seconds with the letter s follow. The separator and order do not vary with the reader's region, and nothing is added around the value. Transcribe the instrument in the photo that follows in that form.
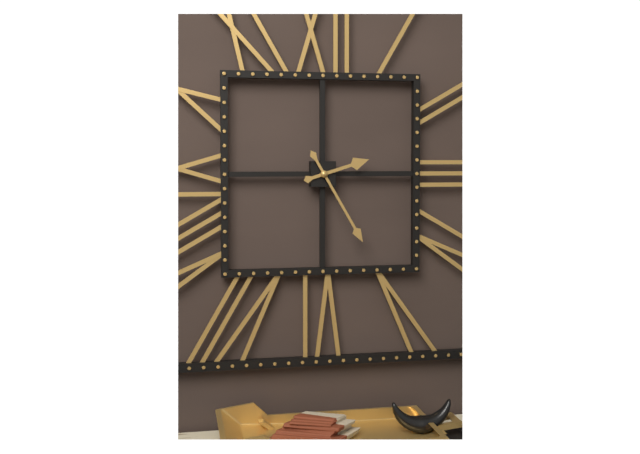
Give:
2h25
